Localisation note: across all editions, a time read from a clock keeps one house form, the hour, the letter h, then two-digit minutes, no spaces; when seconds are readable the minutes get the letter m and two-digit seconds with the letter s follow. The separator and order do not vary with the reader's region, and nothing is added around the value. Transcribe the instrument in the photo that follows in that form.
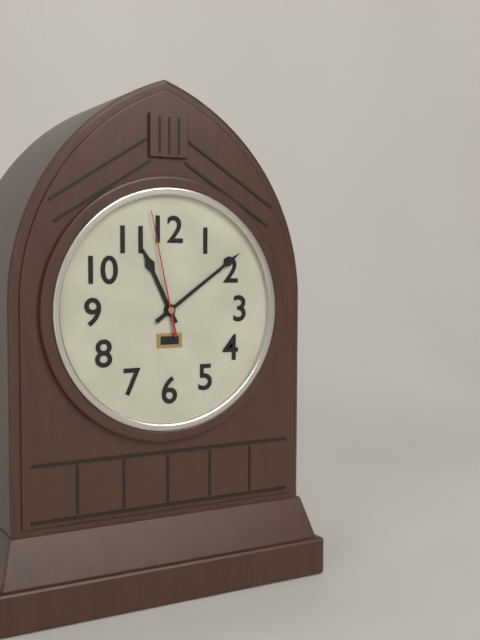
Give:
11h09m58s
